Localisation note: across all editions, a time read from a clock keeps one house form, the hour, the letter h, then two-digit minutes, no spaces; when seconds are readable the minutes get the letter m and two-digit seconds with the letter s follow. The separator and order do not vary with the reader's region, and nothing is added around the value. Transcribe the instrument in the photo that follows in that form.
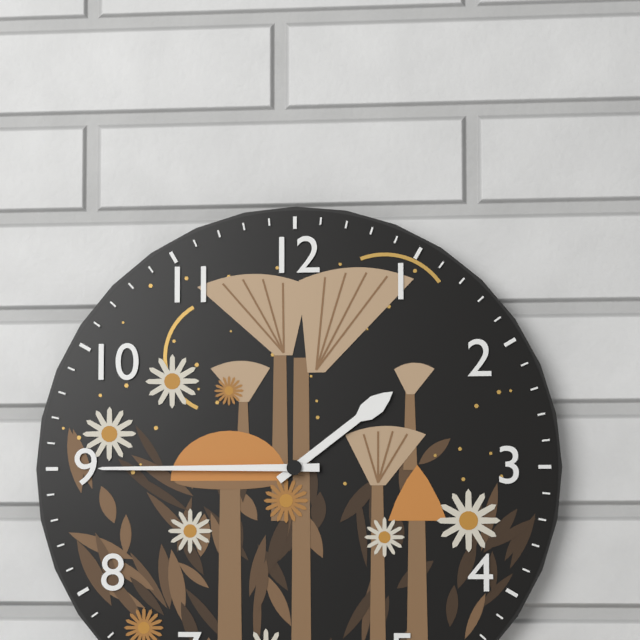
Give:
1h45
